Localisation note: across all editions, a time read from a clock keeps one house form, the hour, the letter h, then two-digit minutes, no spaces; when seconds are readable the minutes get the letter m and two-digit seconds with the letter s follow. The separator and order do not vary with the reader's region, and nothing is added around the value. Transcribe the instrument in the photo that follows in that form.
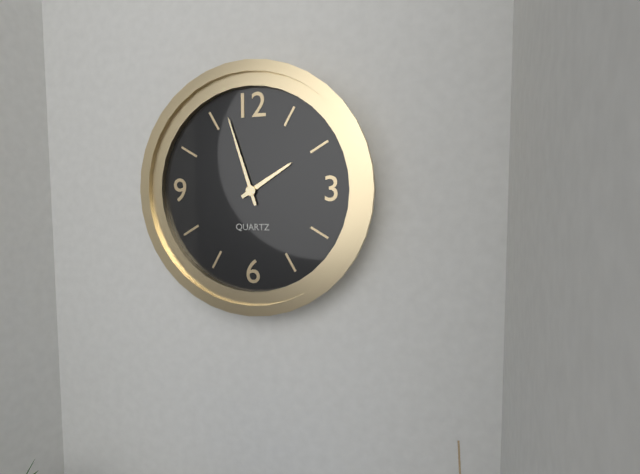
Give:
1h57
